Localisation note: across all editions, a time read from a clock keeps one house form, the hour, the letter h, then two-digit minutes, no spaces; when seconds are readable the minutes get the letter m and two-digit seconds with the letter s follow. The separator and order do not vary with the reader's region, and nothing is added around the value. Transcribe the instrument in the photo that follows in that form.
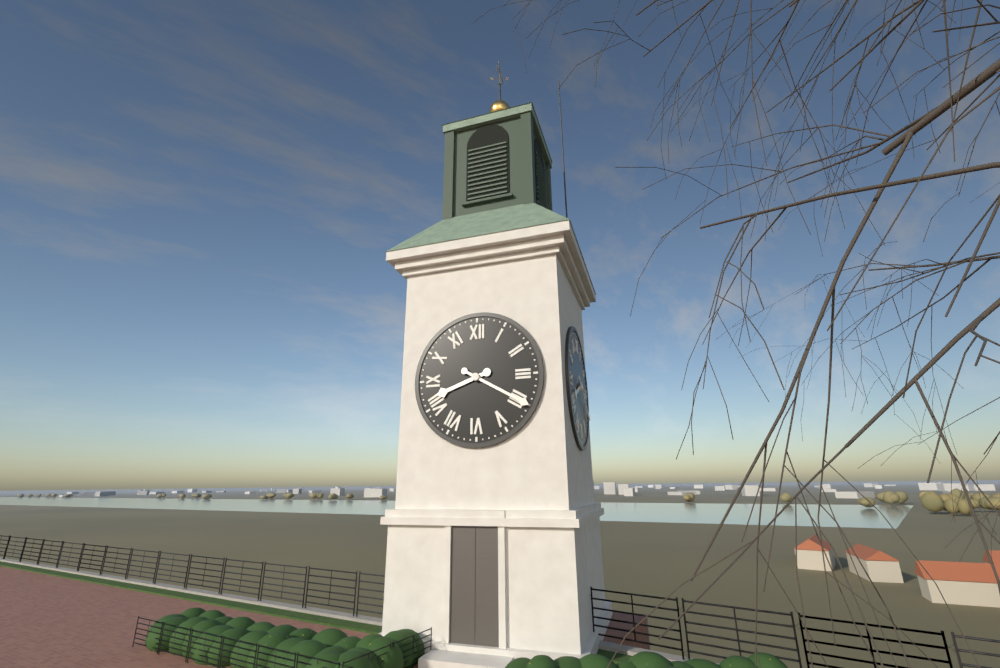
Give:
8h20
